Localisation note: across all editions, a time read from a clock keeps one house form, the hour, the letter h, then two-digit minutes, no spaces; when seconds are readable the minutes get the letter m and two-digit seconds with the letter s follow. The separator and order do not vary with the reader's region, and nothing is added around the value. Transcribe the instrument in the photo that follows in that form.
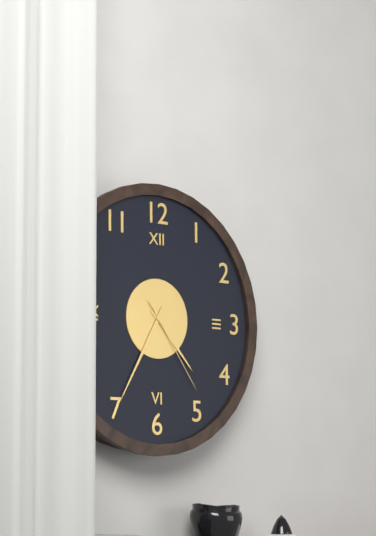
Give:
4h35m24s
